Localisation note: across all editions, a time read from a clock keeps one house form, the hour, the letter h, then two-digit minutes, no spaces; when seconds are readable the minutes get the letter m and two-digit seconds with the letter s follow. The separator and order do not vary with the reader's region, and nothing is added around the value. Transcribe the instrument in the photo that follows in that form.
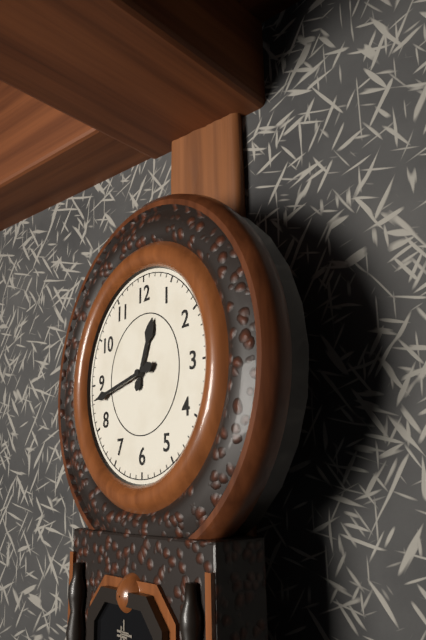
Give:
12h43
